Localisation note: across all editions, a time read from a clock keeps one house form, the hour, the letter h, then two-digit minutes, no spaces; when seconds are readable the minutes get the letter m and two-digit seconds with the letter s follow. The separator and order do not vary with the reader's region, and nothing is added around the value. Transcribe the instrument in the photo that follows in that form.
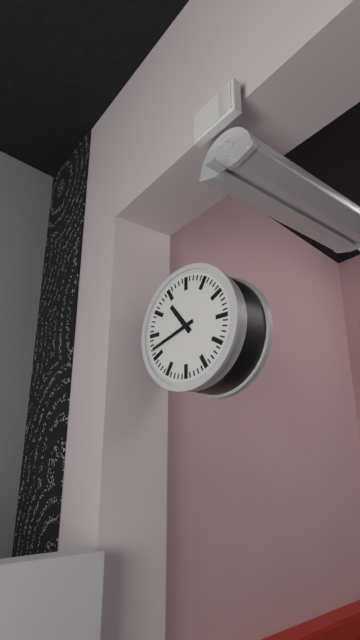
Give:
10h42
